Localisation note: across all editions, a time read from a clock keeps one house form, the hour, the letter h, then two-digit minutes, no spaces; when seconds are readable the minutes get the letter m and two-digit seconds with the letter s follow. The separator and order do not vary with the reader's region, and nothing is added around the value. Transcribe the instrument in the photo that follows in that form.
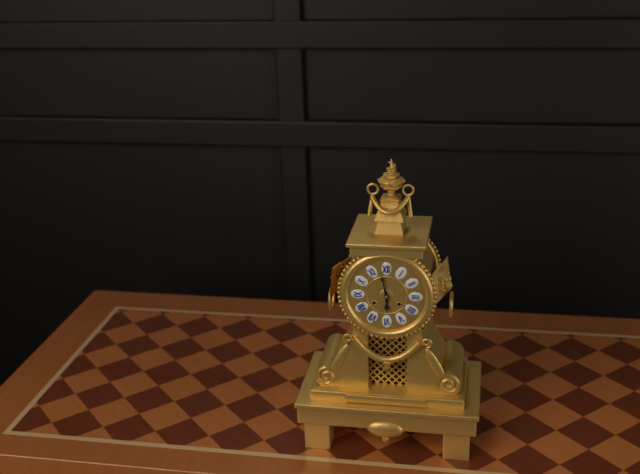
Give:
5h58
